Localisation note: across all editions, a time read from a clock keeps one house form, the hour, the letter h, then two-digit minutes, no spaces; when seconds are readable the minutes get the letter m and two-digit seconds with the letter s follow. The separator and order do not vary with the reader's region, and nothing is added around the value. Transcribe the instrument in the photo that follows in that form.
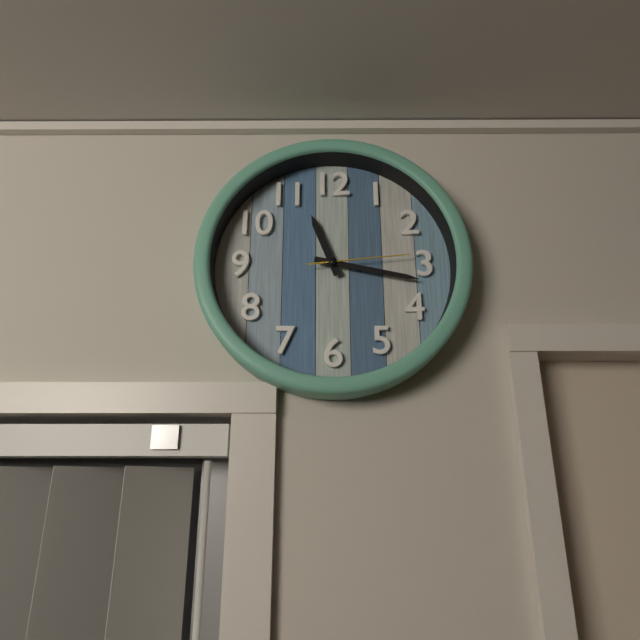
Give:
11h17m14s
